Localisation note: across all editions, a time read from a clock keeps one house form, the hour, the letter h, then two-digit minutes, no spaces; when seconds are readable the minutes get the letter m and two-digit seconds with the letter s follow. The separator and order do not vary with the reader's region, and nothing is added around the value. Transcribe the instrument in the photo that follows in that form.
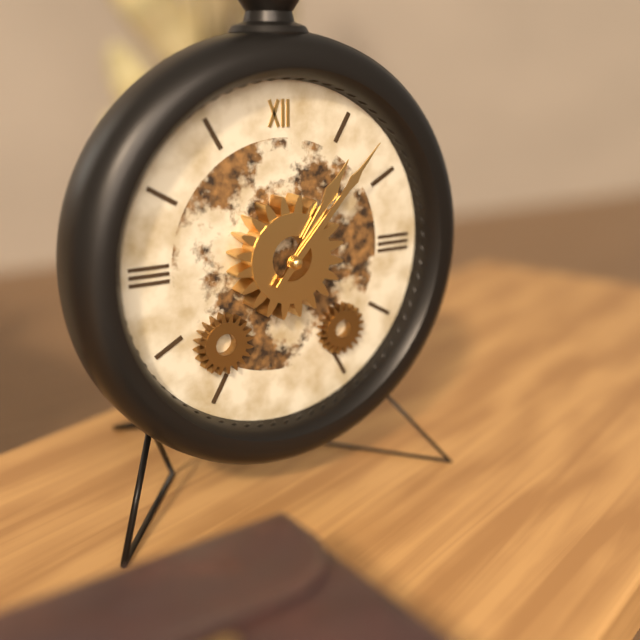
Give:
1h07
